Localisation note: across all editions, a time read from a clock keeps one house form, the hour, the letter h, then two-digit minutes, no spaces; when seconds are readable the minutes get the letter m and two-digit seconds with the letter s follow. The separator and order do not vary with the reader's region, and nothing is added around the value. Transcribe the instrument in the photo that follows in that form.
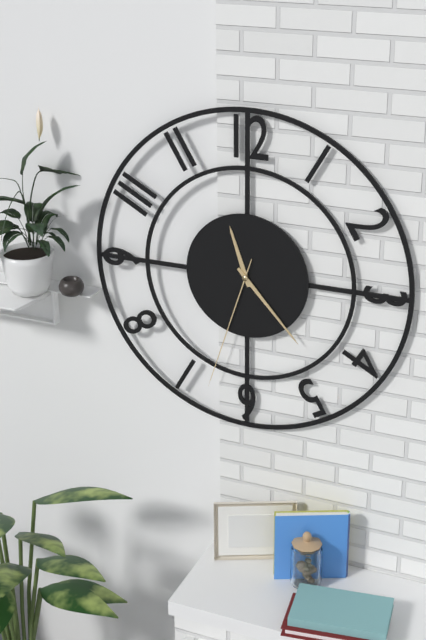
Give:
11h23m33s
